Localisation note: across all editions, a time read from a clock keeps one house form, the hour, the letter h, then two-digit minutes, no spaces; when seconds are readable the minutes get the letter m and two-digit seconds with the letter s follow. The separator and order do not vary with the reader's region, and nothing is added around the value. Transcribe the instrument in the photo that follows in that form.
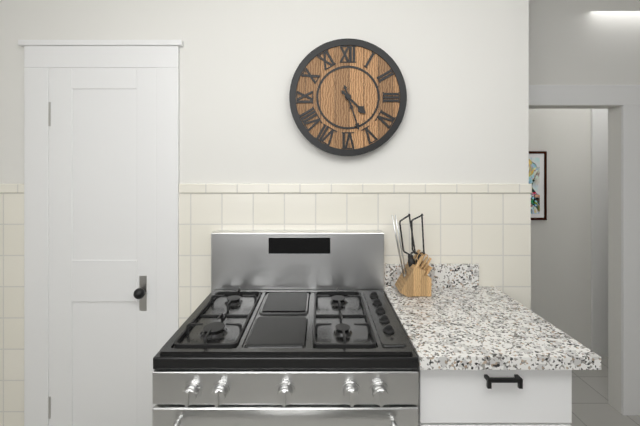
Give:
4h27
